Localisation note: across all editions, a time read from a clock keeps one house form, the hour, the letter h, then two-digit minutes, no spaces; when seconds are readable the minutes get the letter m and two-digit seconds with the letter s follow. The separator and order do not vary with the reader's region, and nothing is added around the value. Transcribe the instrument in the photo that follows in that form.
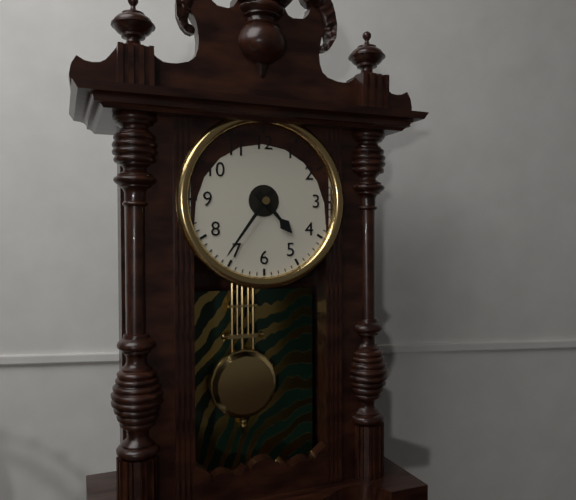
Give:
4h36
